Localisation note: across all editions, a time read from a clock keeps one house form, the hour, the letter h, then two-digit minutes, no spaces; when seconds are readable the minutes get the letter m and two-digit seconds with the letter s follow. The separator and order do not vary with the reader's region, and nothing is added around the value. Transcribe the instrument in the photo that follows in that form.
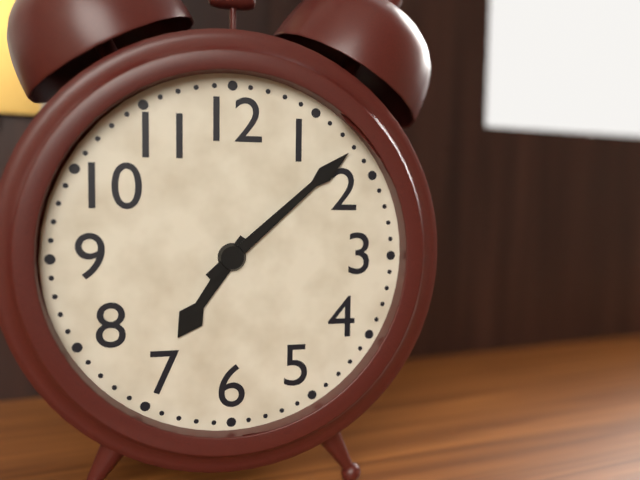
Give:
7h08
